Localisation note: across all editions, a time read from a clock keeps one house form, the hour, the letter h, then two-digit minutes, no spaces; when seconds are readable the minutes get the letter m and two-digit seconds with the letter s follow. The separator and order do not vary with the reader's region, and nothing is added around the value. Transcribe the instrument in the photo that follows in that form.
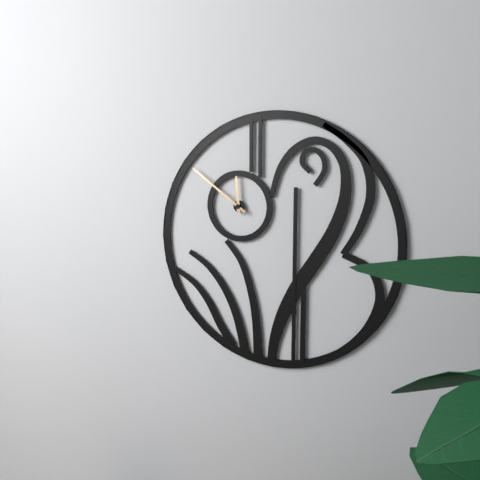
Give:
11h51
